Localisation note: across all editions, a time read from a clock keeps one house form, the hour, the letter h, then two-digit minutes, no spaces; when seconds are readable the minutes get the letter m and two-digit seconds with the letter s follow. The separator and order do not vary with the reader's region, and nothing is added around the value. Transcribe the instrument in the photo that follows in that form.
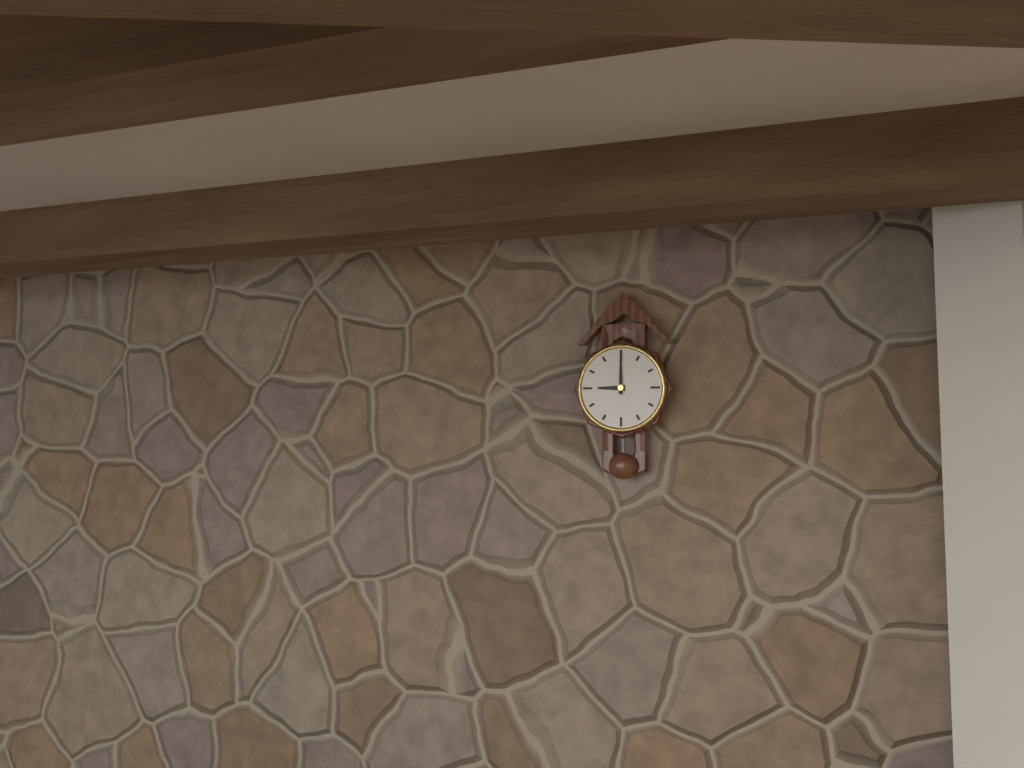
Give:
9h00
